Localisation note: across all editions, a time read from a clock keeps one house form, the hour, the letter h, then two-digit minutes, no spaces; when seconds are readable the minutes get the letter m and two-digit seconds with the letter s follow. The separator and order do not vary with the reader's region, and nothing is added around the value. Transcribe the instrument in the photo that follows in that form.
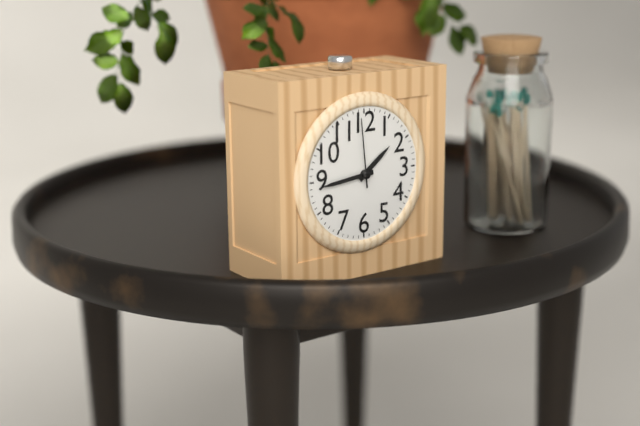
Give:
1h44m59s
